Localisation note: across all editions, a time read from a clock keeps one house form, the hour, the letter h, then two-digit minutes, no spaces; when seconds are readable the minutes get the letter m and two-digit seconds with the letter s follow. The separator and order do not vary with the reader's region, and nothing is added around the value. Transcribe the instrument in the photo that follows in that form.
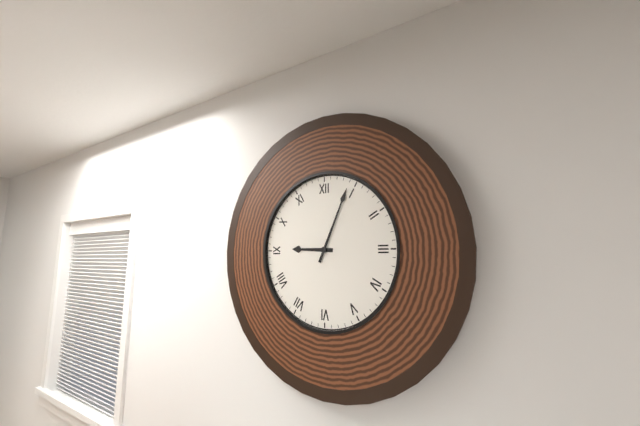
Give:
9h04
